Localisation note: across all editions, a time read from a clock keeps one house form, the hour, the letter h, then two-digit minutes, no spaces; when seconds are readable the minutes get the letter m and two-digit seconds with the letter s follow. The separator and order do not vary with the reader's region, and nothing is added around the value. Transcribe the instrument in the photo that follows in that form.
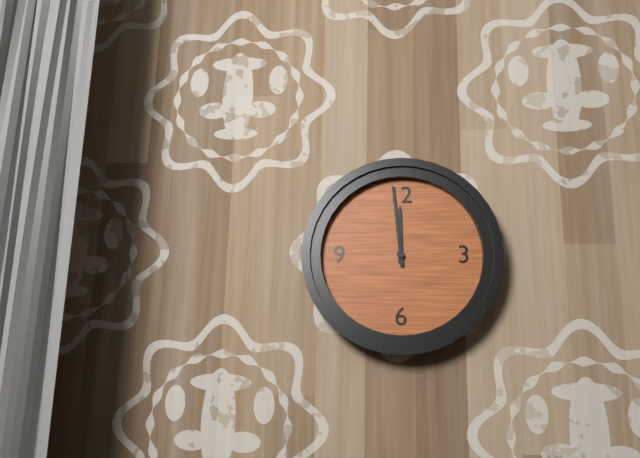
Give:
11h59
